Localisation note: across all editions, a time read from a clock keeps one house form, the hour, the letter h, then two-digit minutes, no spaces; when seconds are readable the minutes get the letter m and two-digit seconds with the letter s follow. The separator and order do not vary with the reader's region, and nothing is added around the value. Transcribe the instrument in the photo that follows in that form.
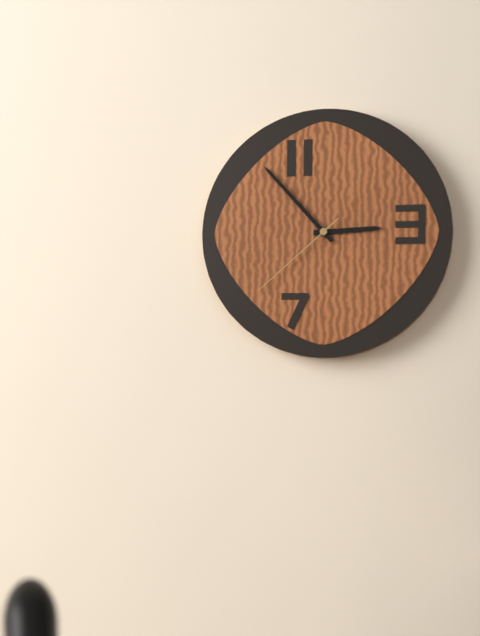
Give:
2h53m38s
